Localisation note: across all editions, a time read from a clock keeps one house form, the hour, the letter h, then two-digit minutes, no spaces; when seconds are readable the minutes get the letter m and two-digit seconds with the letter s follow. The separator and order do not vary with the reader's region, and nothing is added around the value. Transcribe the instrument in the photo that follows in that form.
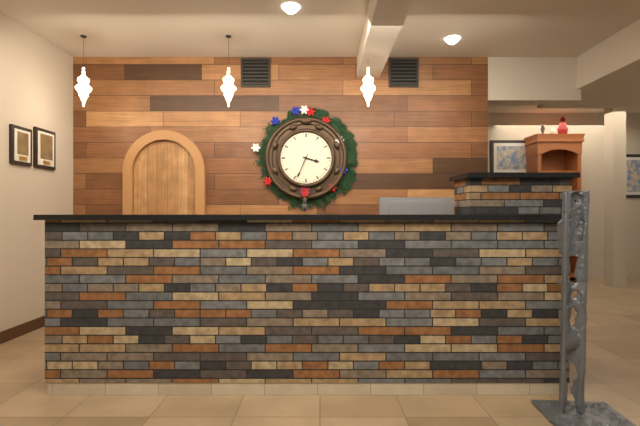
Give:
3h34
